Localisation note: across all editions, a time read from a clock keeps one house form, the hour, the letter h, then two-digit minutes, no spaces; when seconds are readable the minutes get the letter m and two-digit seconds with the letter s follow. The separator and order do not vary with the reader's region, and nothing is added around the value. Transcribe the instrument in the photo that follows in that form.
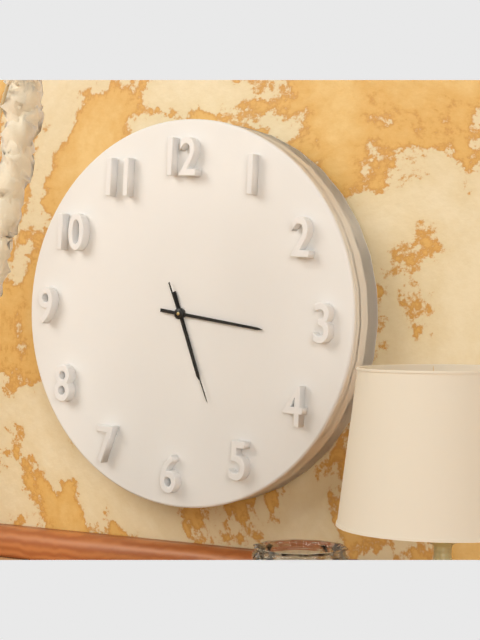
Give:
5h16m26s
